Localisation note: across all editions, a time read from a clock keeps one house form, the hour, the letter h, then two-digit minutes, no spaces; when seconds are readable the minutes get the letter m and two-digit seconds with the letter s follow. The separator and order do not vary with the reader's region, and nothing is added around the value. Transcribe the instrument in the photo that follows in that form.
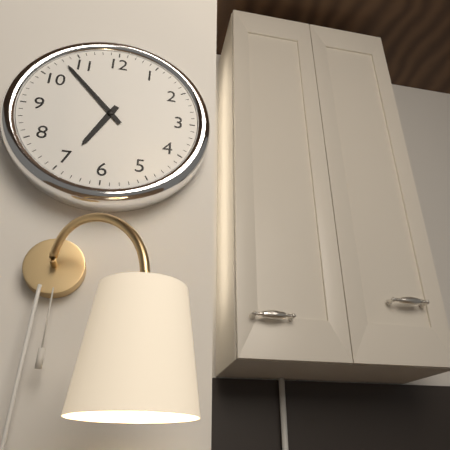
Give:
6h53
